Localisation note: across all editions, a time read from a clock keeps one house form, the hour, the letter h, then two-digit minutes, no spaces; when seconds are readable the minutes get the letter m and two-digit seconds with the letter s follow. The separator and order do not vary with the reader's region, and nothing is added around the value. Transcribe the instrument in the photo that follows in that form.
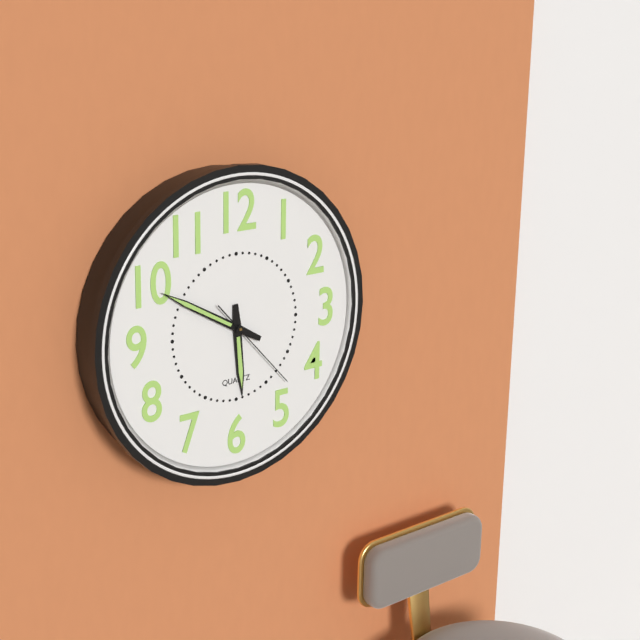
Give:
5h50m23s
